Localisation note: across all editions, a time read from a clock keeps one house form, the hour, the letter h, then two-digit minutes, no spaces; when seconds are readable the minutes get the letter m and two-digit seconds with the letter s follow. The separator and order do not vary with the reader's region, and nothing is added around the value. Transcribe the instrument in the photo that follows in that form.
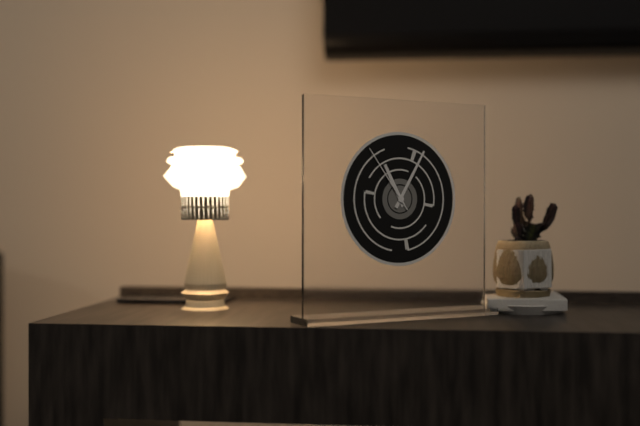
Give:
11h05m54s
